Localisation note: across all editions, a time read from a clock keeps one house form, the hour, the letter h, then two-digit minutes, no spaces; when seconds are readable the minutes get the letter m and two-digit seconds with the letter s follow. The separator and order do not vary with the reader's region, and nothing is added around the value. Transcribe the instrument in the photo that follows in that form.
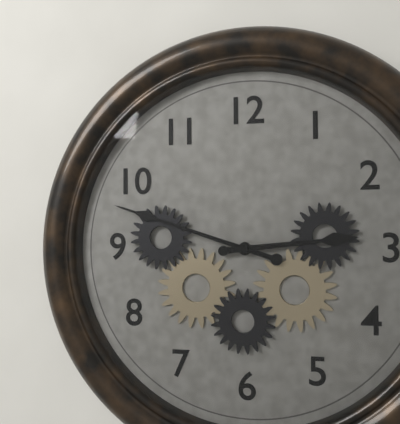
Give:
2h48
